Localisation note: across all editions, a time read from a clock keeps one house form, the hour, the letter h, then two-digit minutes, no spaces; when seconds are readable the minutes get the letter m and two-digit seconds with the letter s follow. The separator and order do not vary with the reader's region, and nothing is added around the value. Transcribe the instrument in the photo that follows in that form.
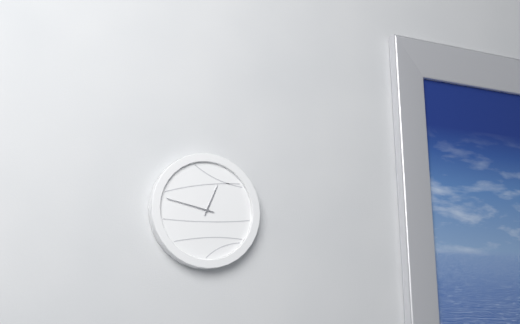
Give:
12h47
